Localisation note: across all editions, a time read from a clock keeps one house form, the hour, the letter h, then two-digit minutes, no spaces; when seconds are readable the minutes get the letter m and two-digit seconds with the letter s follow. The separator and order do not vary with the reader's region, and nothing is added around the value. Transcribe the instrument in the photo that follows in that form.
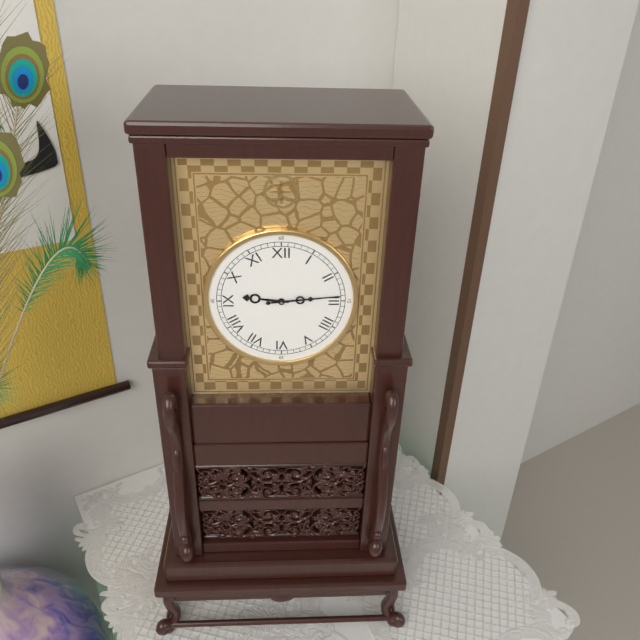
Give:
9h14
